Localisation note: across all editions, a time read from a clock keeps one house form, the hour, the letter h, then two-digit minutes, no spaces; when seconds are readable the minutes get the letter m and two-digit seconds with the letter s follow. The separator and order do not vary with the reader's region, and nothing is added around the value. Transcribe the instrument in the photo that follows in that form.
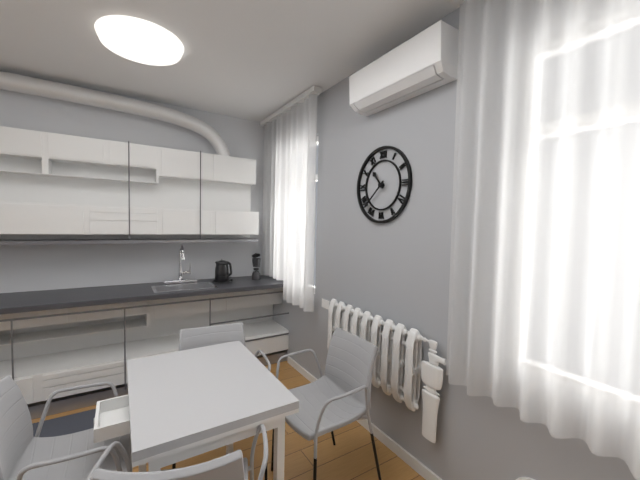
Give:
10h38
